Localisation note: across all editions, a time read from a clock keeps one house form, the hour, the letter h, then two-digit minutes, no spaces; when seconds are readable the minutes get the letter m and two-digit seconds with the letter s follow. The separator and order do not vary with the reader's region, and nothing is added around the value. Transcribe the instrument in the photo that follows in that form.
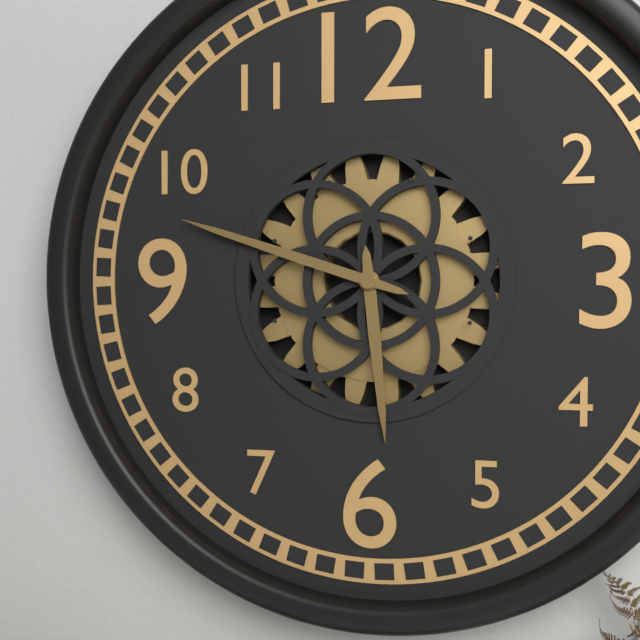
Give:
5h48
